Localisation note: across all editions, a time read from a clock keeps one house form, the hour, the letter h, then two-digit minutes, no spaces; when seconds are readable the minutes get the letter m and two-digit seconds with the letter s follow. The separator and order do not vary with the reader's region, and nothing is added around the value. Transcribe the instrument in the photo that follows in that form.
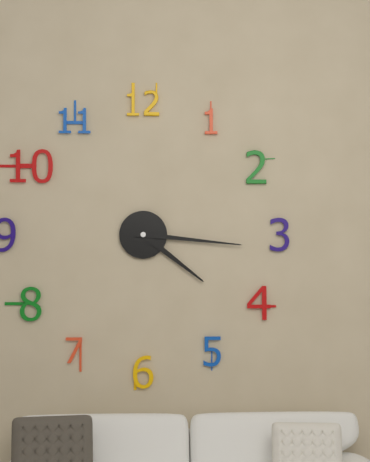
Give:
4h16
